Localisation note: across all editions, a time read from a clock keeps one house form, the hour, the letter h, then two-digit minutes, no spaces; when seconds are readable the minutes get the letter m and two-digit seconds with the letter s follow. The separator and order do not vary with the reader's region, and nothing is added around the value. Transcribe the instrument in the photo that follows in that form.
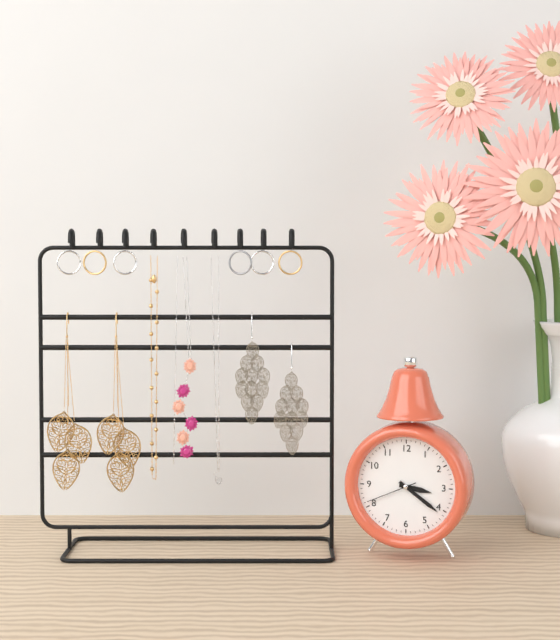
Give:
3h21m41s
